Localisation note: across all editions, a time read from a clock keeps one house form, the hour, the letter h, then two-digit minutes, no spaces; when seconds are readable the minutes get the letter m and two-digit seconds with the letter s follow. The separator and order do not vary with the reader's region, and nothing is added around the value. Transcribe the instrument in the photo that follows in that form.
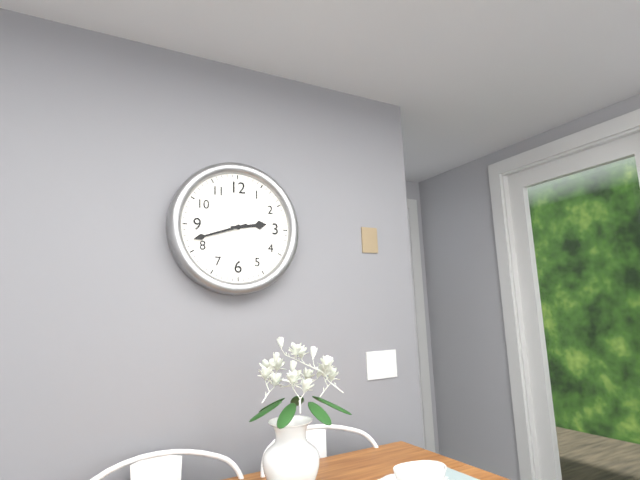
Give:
2h42
